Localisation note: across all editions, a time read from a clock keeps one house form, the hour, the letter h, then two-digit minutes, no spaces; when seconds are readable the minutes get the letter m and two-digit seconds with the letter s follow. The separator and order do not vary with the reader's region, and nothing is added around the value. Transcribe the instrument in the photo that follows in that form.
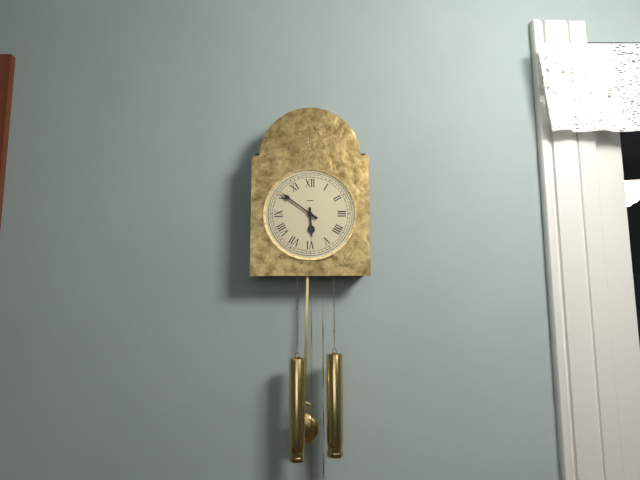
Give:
5h51
